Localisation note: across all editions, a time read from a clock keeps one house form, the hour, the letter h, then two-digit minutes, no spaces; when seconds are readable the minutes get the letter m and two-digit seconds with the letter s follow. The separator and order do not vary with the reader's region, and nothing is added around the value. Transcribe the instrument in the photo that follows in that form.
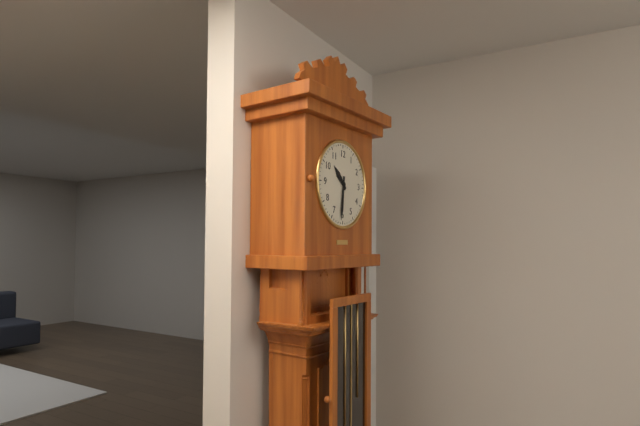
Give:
10h31
